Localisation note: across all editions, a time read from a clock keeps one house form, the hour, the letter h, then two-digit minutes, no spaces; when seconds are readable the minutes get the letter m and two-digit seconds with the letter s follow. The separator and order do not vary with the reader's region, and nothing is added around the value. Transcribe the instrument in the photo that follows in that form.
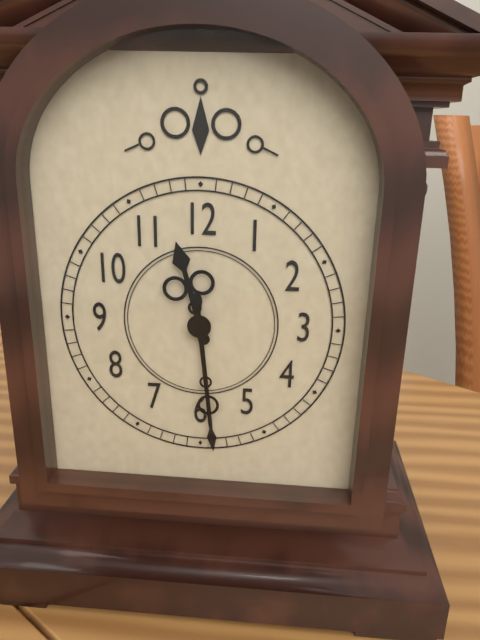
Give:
11h29
